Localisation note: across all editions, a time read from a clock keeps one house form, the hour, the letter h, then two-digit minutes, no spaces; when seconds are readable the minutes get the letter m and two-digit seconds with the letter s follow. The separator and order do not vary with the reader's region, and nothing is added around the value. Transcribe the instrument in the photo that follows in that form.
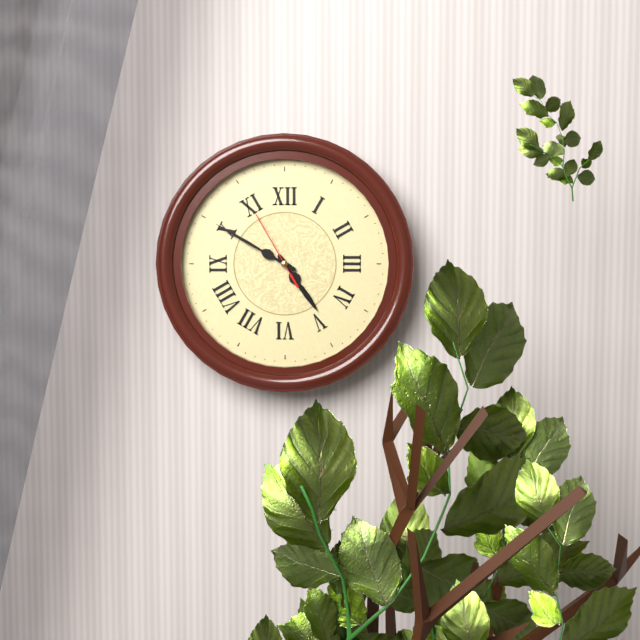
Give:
4h50m55s
